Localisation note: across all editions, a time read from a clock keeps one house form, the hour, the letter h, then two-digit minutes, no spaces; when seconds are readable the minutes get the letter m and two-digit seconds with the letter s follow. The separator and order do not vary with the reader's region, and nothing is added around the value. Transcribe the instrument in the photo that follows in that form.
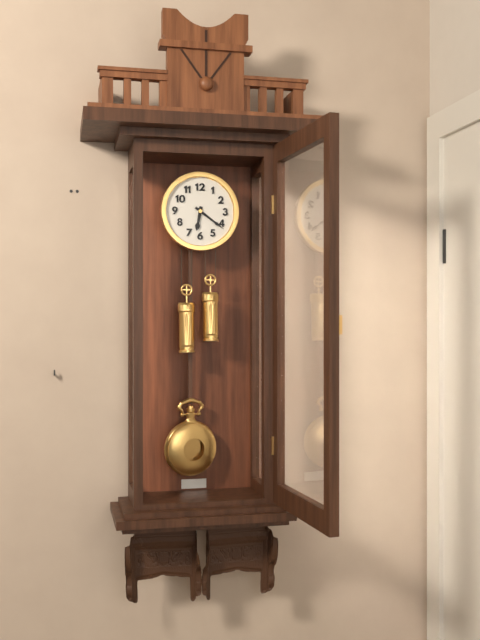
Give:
6h21
